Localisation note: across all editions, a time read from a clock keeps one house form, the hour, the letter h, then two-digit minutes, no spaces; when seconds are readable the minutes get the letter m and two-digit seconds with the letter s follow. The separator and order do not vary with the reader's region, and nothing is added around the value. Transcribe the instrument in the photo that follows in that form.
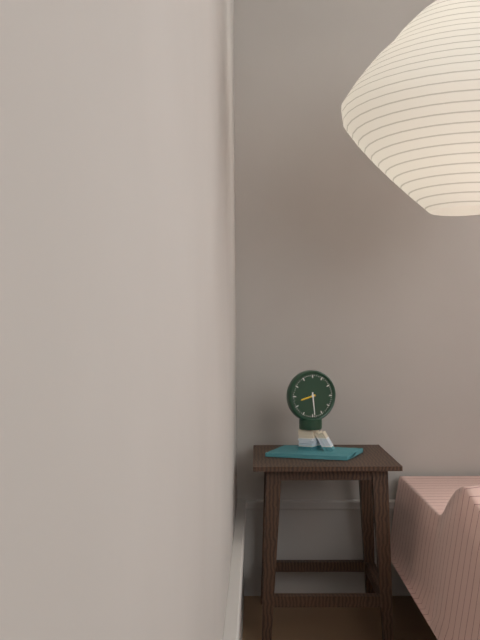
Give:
8h29
